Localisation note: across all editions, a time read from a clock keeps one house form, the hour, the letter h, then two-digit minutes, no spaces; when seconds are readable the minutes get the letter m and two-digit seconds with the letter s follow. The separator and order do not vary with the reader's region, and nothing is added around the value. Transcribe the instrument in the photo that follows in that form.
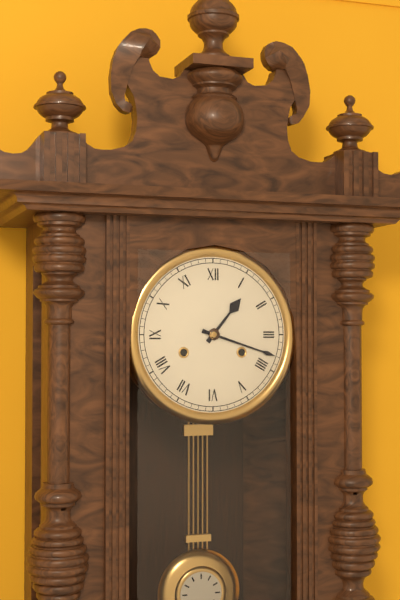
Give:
1h18
